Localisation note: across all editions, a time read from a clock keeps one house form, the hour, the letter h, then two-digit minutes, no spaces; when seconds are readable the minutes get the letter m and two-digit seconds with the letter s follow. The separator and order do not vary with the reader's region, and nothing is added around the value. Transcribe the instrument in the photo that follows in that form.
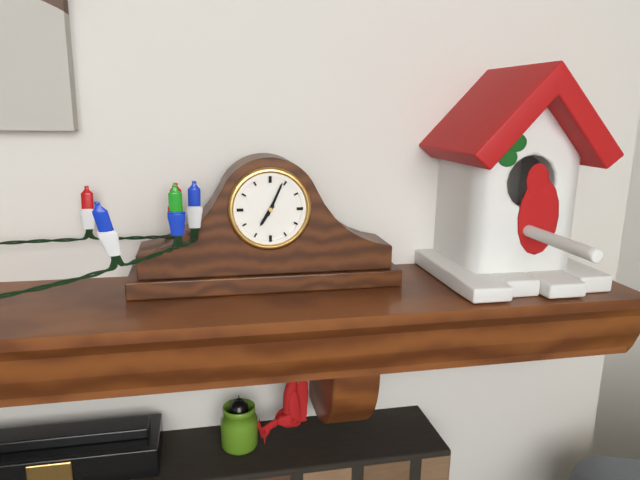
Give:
7h04
